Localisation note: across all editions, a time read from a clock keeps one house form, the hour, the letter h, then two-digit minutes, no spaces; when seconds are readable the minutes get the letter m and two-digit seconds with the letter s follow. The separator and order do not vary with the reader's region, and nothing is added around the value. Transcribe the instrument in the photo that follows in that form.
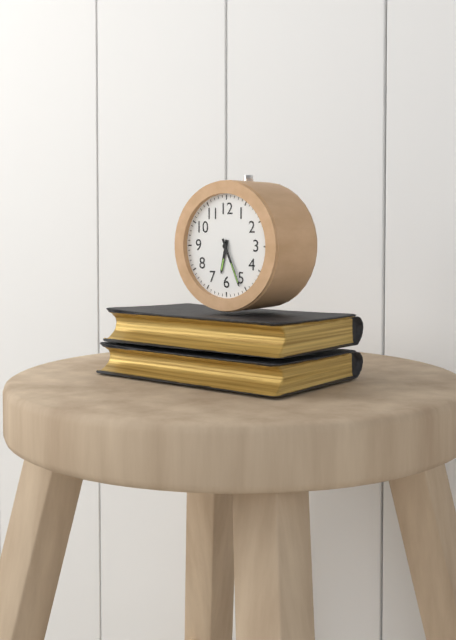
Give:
6h26
